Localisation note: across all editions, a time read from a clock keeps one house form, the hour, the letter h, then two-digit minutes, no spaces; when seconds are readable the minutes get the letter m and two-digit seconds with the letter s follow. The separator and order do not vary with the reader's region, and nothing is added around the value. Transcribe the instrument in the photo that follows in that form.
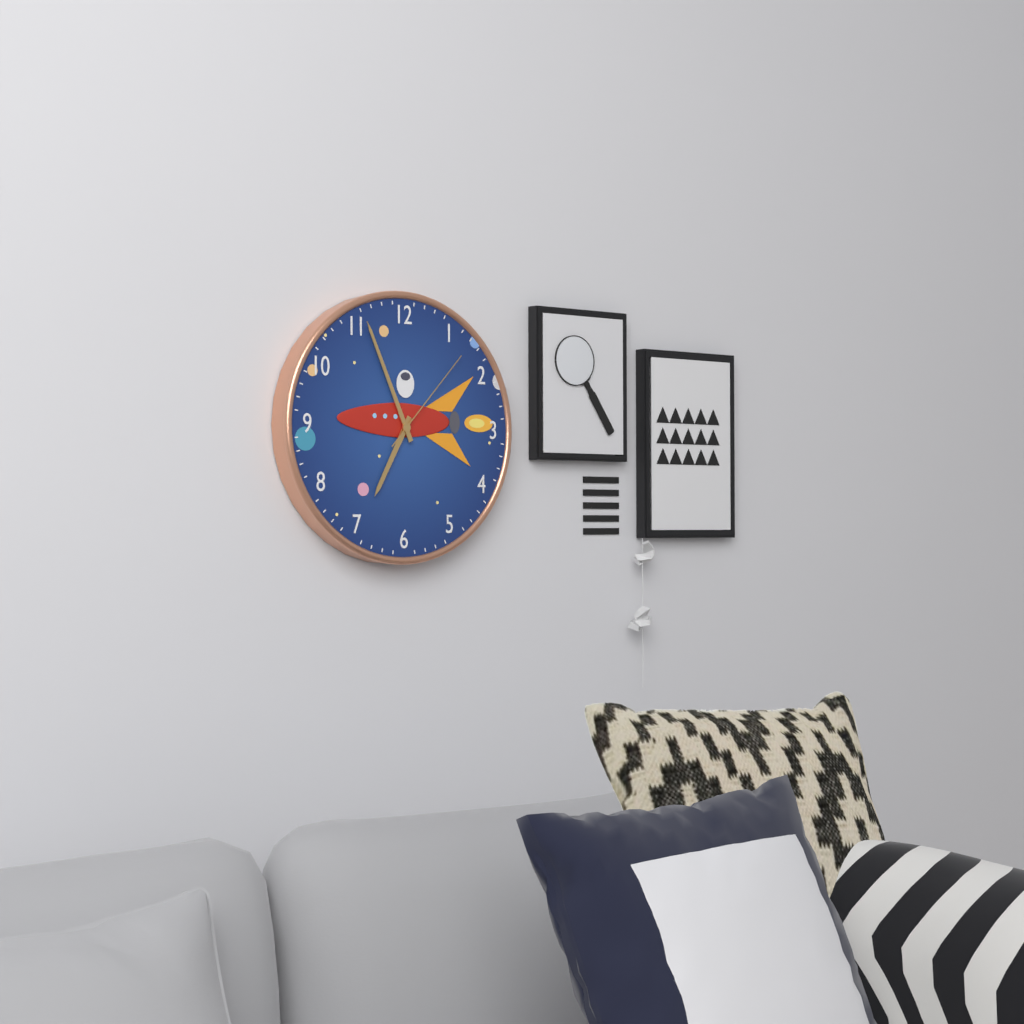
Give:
6h56m07s
